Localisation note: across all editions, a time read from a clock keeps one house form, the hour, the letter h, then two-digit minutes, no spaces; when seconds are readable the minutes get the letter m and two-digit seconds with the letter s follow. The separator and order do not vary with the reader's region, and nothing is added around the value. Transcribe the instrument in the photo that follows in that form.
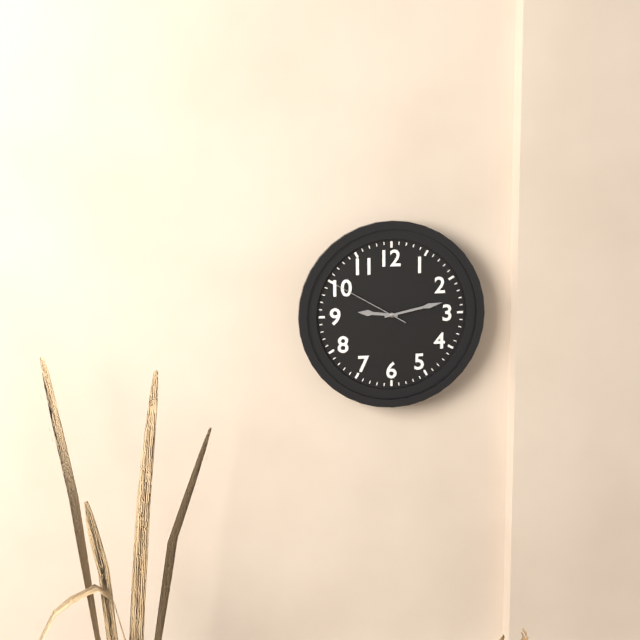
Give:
9h13m50s
